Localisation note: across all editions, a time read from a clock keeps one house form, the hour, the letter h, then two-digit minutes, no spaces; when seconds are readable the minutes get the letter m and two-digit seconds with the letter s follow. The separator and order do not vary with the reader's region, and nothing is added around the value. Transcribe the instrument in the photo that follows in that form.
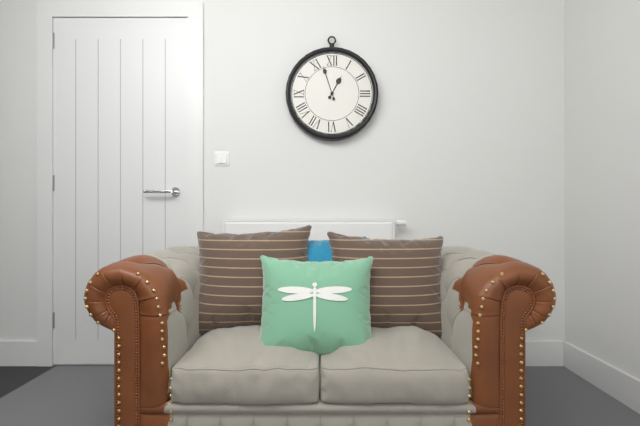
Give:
12h57
